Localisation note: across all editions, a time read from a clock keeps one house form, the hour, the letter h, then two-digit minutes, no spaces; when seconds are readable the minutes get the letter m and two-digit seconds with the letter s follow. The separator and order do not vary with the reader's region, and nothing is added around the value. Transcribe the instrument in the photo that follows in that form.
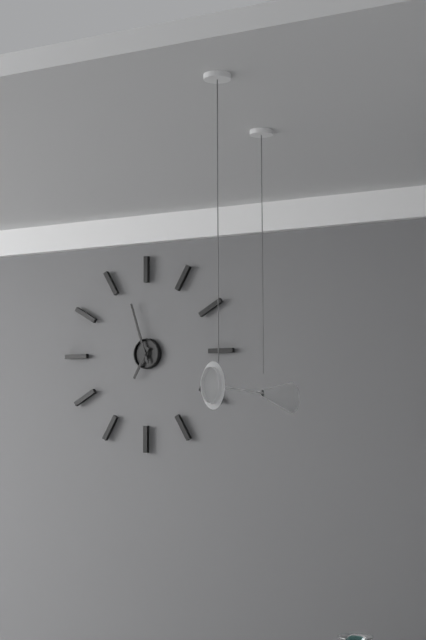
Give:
6h57
